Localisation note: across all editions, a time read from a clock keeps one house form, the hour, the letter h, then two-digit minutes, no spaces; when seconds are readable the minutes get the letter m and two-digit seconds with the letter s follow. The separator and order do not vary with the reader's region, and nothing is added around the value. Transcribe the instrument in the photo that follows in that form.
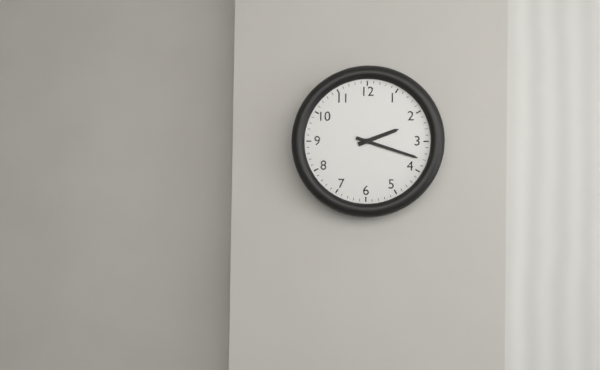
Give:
2h18
